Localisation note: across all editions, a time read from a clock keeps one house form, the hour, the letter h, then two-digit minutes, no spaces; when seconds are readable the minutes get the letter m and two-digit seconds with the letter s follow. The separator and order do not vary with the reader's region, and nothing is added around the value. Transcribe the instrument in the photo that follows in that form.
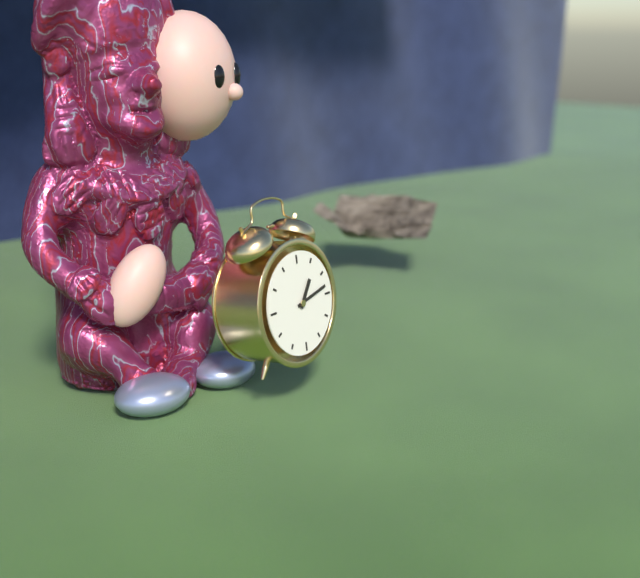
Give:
1h13
